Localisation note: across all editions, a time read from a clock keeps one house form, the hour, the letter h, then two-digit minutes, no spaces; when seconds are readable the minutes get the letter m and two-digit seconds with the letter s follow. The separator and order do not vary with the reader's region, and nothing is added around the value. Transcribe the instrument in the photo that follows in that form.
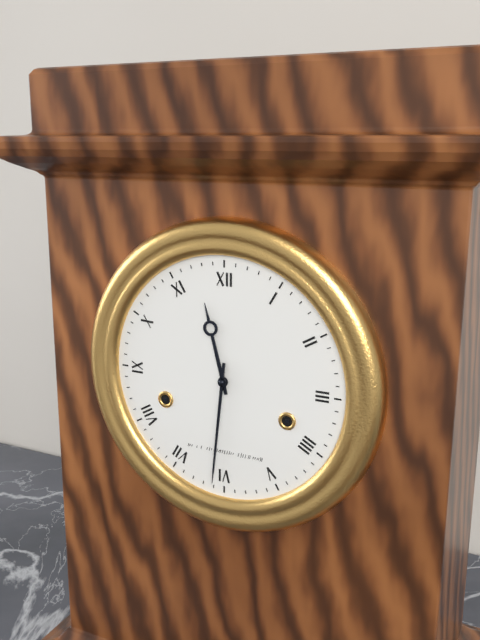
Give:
11h31
